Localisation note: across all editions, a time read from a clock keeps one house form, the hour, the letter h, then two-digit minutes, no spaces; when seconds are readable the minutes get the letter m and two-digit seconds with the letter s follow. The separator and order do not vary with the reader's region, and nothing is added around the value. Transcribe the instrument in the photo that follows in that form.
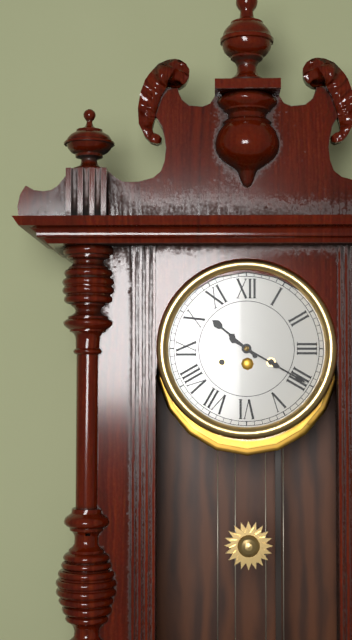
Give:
10h20
